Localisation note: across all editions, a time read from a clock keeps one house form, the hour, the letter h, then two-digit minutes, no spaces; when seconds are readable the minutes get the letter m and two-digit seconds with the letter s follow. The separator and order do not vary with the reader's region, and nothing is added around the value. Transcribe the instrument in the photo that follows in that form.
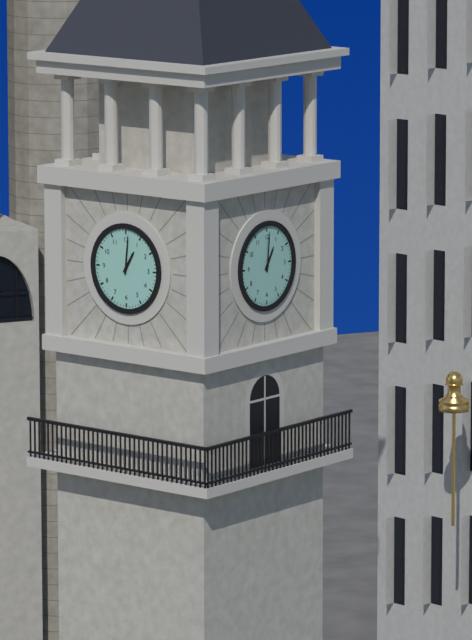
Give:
1h01
